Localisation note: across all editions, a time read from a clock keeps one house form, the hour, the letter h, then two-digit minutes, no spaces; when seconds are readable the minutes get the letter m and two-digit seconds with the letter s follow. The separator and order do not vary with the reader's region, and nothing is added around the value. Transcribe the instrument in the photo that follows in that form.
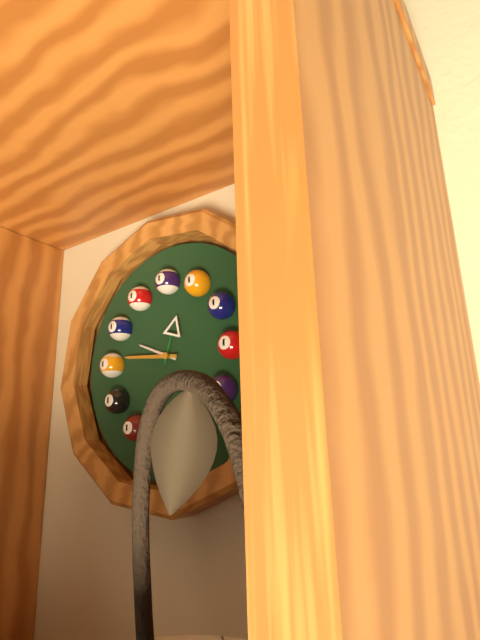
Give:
9h46m03s
